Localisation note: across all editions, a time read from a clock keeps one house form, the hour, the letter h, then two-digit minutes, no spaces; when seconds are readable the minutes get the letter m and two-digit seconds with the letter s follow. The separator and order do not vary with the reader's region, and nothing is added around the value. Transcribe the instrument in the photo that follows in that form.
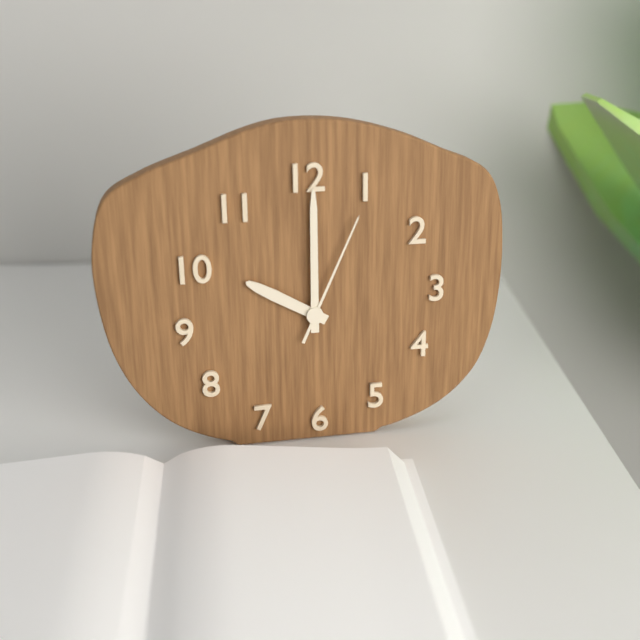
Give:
10h00m04s
